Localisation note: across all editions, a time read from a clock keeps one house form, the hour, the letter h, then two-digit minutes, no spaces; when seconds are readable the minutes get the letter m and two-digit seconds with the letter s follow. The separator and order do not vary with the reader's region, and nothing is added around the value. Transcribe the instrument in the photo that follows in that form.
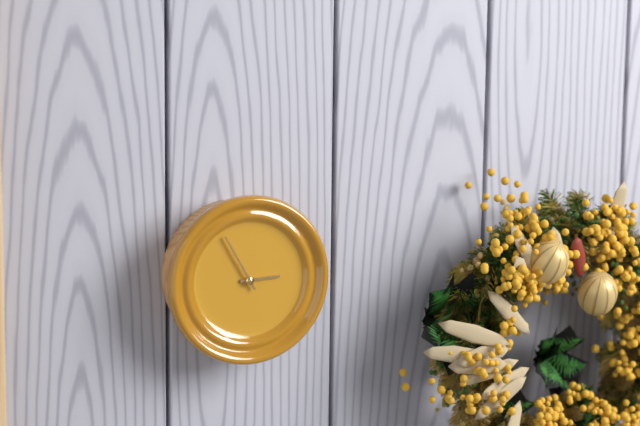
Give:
2h55
